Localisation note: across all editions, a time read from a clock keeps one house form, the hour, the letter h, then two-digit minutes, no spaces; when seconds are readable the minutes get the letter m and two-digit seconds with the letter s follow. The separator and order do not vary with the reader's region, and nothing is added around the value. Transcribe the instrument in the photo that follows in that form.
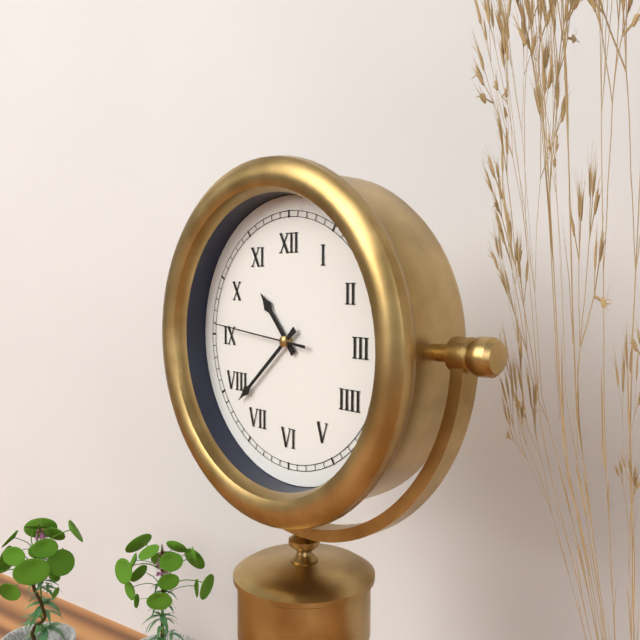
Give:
10h38m46s
